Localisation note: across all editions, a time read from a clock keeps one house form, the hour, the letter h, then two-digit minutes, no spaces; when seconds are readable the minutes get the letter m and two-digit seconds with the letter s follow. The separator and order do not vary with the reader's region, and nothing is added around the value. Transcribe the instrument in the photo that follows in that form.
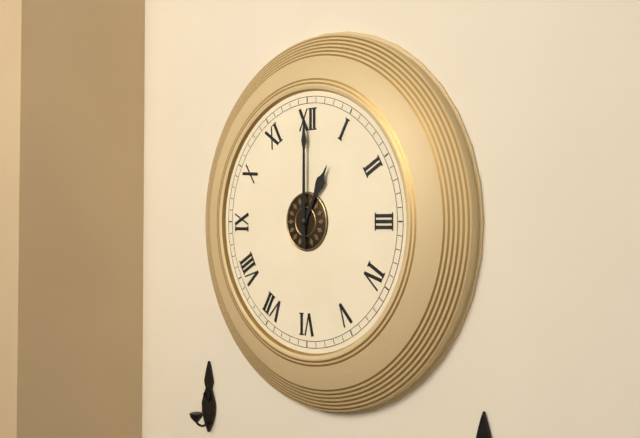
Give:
1h00
